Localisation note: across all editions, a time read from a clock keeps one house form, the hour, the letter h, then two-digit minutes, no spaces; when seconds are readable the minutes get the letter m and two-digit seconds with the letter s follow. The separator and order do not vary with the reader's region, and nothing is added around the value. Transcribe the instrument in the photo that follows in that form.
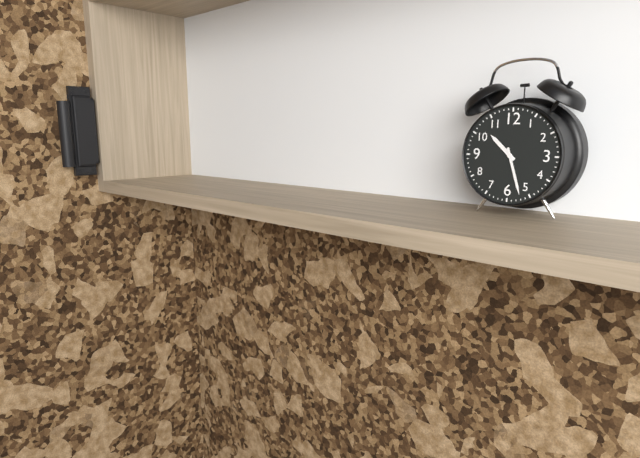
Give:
10h27
